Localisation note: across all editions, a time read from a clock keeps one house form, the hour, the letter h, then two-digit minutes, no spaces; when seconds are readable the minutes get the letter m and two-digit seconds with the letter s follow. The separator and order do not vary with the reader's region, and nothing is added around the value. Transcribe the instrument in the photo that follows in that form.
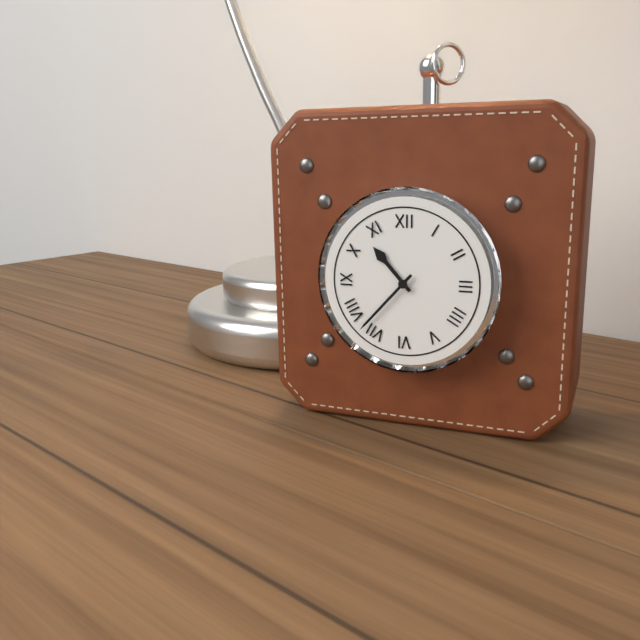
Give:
10h37
